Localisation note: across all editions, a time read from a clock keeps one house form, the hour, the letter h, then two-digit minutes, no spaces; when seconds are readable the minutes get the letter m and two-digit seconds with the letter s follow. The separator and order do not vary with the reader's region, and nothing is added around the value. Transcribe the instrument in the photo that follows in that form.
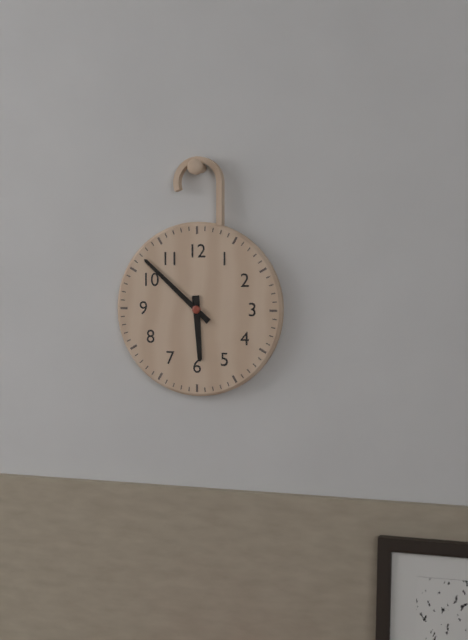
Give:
5h52
